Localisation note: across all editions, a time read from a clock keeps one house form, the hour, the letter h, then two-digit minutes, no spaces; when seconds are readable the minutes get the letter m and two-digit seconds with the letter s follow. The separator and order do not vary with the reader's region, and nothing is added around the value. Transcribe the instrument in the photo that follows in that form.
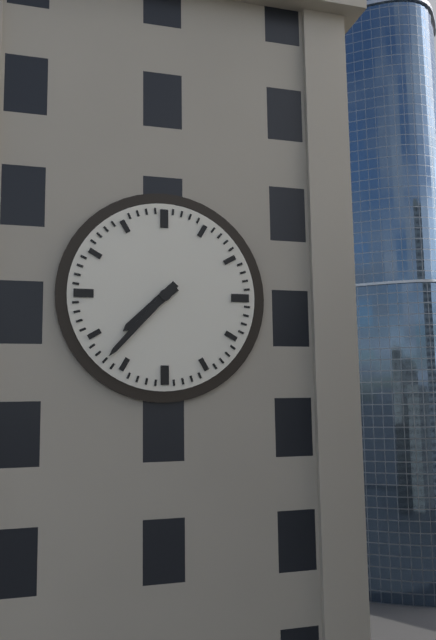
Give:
7h37
